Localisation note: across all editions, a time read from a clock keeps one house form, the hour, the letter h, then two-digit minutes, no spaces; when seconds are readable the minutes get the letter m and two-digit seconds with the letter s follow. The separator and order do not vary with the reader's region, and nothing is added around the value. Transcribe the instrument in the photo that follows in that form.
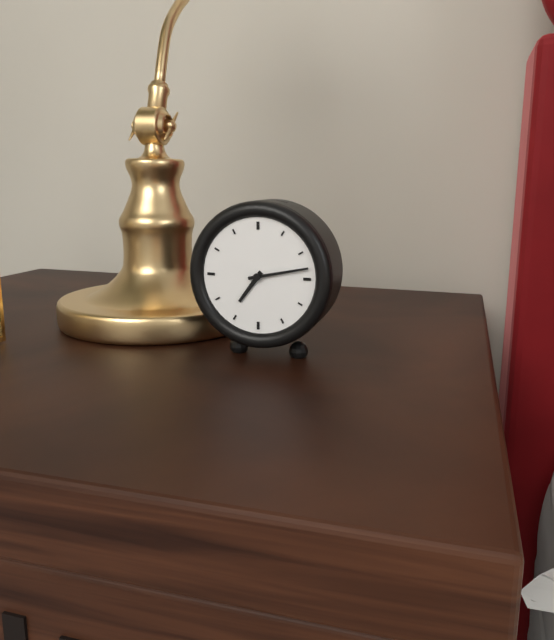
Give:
7h13
